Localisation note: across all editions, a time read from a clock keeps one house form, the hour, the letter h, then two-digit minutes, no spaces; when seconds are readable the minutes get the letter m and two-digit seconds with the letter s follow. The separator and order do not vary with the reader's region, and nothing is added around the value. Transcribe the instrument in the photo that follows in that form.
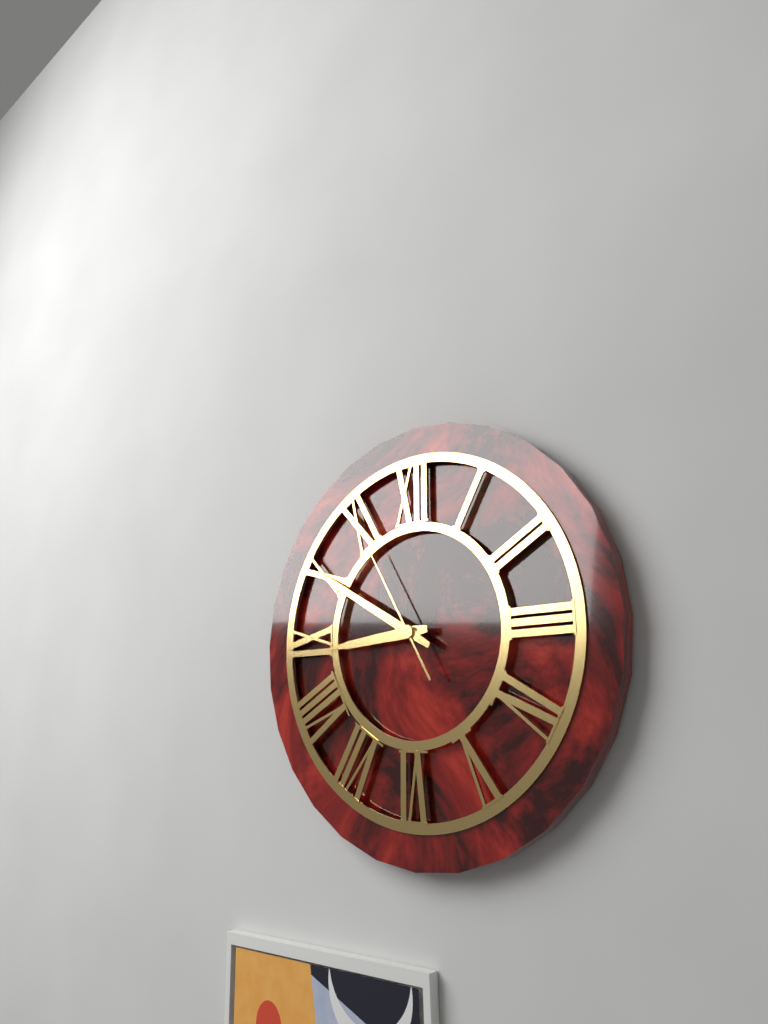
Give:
8h50m55s
